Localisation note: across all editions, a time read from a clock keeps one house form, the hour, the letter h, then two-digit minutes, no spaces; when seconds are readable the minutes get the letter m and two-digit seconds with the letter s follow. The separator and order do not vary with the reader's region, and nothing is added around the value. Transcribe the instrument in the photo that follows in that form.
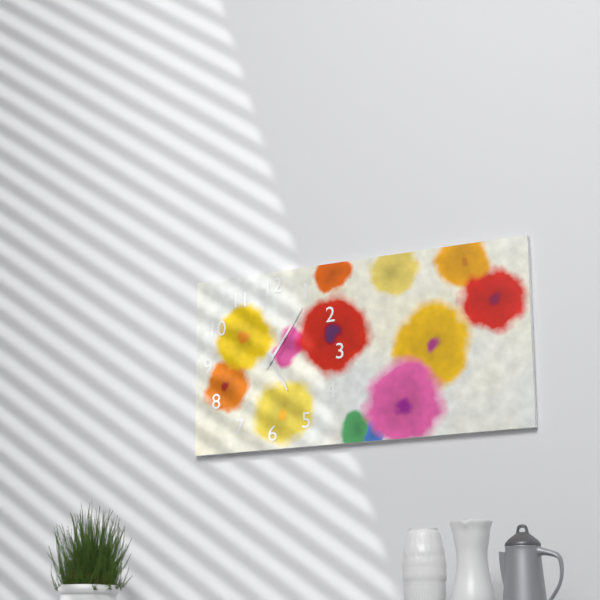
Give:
5h06
